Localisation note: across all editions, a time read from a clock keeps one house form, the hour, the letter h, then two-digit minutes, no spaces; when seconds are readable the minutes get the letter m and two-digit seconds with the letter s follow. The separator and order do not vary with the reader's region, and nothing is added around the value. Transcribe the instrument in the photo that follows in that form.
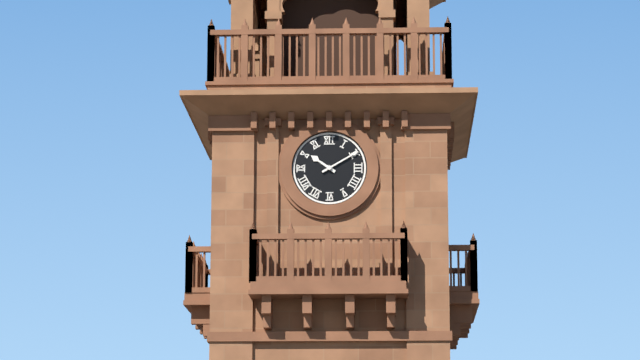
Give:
10h10
